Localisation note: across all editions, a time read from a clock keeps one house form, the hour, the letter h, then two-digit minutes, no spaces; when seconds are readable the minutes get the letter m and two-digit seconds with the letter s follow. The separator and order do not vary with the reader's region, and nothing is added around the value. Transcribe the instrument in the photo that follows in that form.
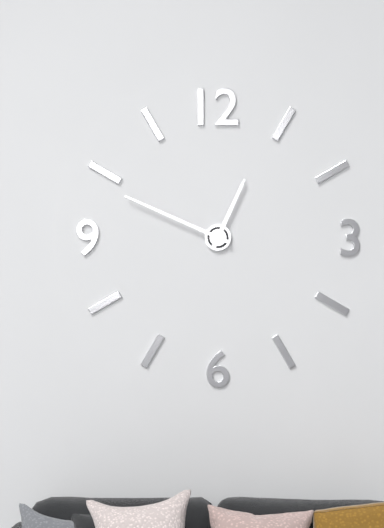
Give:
12h49
